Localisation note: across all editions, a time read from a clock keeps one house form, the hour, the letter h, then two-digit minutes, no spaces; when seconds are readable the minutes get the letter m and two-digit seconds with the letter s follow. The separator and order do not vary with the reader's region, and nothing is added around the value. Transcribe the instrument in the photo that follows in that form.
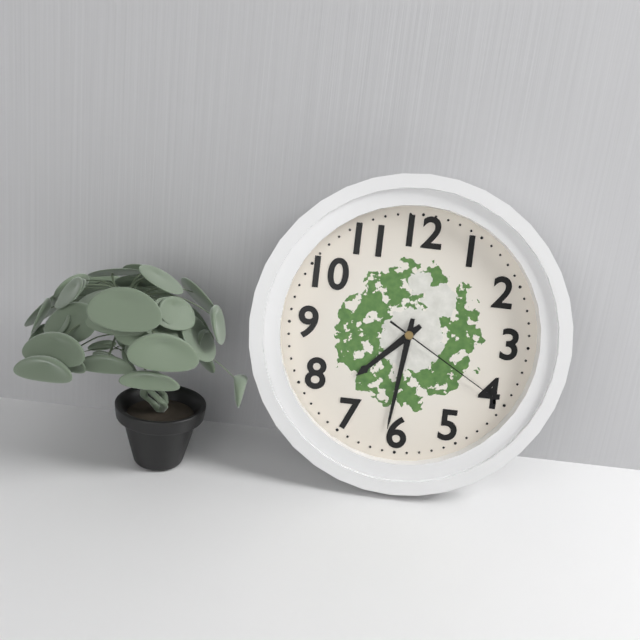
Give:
7h31m20s
